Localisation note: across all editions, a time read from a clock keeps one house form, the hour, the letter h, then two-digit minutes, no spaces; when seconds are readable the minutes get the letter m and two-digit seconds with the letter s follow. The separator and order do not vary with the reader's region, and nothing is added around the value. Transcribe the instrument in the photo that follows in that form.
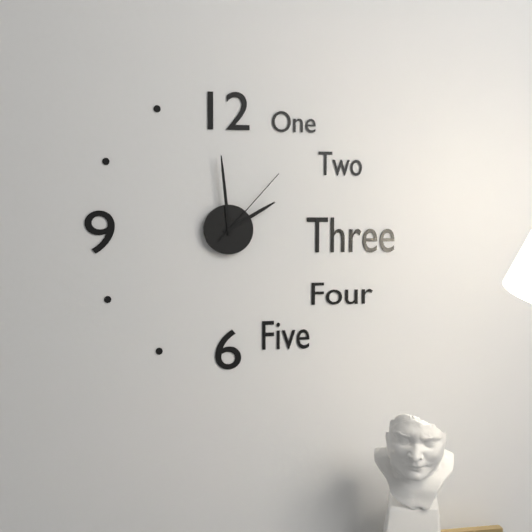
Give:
1h59m07s
